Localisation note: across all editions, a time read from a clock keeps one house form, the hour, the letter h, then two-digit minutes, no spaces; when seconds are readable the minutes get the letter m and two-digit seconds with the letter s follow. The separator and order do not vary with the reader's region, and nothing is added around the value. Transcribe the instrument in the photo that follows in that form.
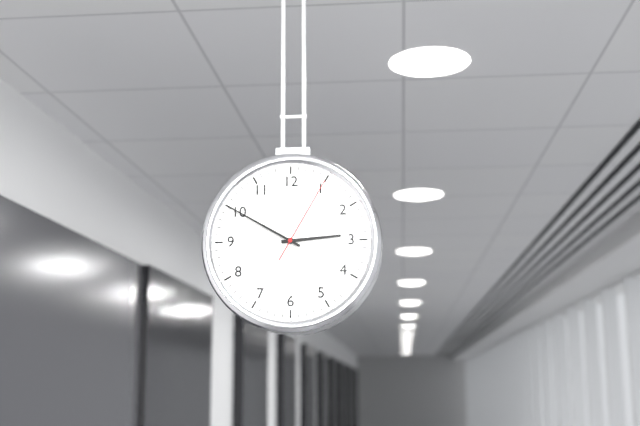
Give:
2h50m05s
